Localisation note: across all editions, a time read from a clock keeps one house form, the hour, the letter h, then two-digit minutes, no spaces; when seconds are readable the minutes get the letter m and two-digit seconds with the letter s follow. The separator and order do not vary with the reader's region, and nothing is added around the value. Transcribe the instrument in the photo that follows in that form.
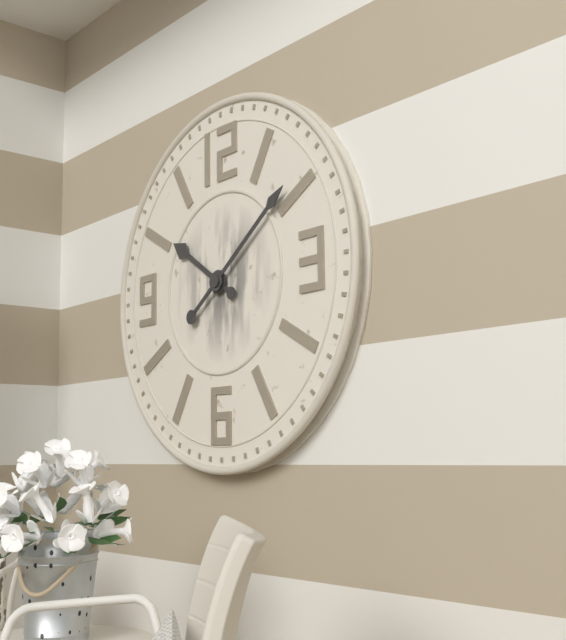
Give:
10h09
